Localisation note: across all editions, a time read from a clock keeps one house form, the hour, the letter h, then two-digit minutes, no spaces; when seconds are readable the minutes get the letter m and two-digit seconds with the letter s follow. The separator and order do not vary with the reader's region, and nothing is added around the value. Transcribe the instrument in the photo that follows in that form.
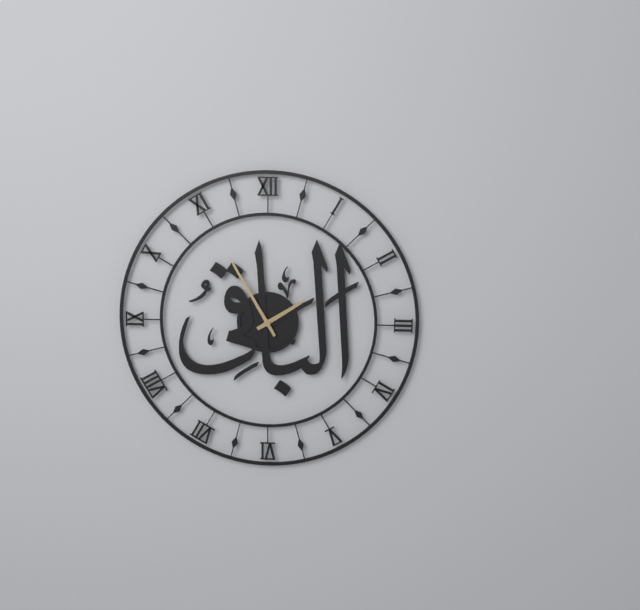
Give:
1h55
